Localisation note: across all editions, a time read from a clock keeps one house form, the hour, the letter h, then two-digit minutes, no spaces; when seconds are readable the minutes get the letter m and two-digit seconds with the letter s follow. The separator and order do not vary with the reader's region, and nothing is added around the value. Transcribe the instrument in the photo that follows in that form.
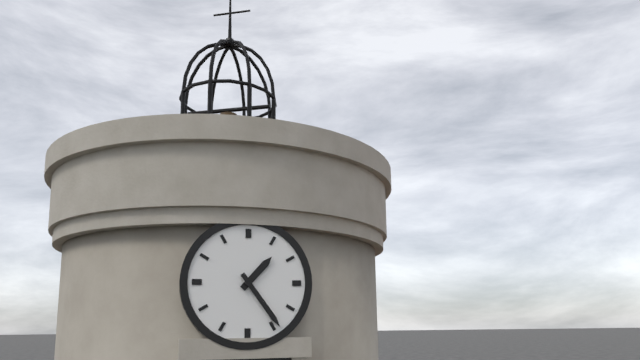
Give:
1h24
